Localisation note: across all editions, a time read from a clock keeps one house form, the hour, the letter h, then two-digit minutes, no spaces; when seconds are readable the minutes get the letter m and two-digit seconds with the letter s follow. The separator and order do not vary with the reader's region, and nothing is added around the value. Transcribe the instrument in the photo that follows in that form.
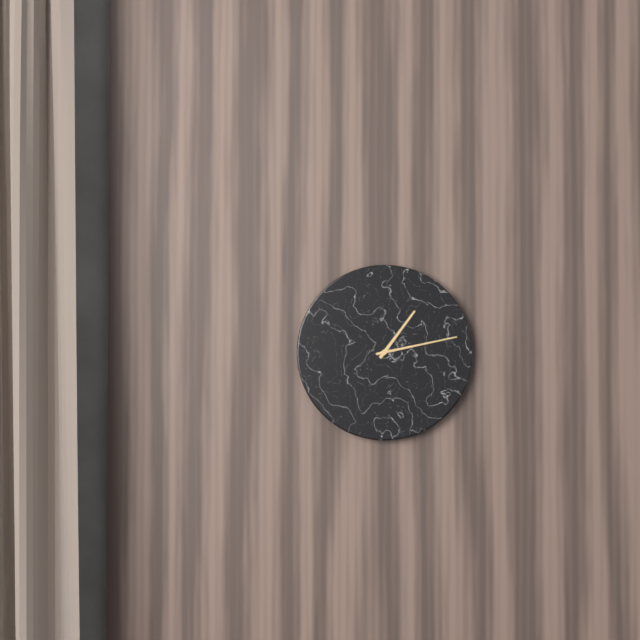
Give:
1h13
